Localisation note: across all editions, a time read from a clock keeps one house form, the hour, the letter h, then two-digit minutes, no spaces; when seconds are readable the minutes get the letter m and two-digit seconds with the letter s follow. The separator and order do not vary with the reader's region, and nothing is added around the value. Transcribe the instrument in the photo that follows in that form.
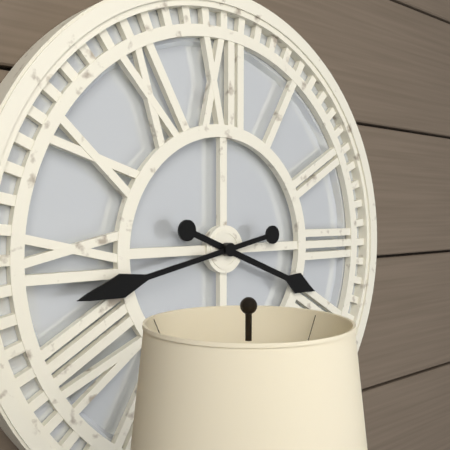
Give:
3h43
